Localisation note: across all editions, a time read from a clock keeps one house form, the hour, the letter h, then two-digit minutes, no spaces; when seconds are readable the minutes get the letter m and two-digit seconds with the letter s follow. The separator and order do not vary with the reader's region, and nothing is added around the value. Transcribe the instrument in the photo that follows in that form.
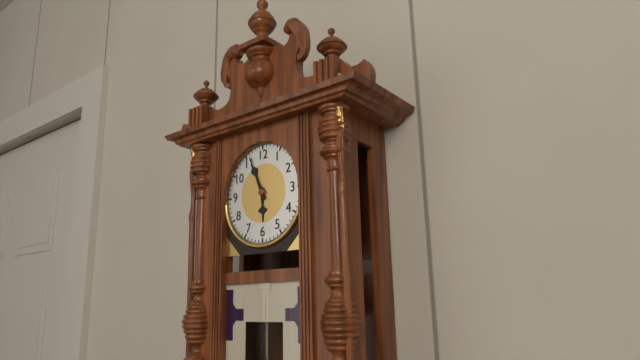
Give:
5h56
